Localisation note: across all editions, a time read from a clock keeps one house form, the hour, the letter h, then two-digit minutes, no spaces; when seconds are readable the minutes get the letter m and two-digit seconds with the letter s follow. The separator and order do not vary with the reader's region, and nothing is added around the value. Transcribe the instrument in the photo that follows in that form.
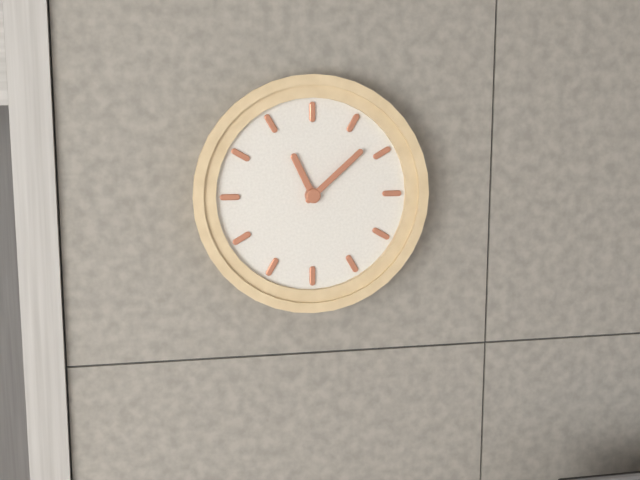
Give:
11h08
